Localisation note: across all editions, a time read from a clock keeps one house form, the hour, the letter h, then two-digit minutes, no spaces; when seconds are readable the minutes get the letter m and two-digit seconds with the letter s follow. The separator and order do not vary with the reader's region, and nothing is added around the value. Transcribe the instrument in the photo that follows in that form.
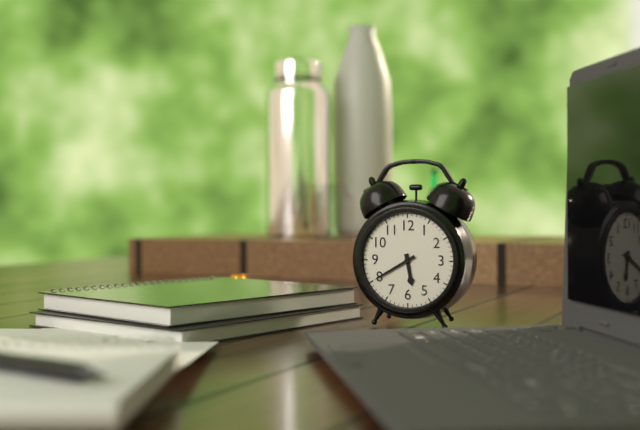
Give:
5h40
